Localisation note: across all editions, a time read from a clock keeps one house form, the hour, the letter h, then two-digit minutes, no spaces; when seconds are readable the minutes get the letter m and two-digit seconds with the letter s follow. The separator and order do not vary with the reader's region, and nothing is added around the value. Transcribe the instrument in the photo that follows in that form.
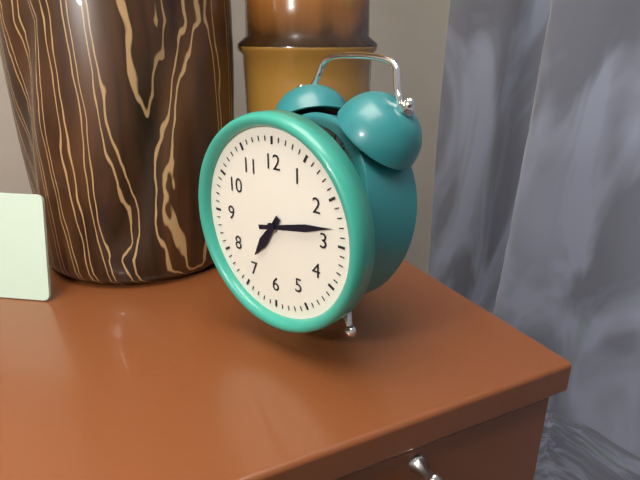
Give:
7h13
